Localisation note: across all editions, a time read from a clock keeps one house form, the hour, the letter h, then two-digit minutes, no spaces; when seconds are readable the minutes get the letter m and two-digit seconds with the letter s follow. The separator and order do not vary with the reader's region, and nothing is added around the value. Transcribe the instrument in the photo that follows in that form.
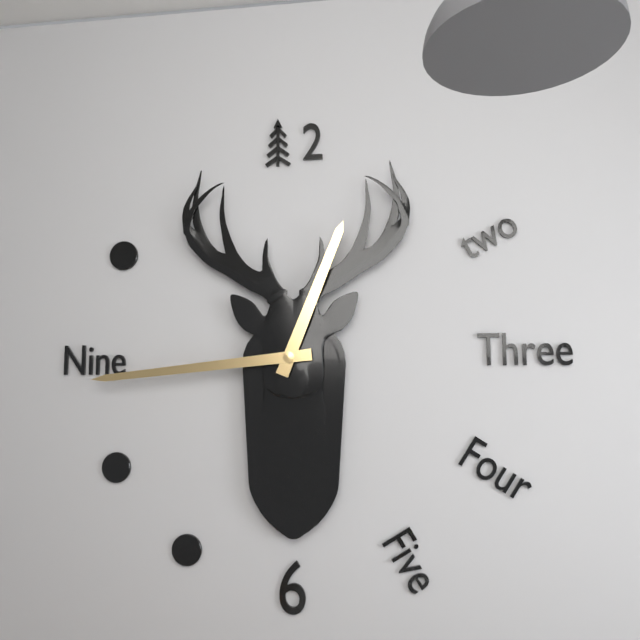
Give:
12h44
